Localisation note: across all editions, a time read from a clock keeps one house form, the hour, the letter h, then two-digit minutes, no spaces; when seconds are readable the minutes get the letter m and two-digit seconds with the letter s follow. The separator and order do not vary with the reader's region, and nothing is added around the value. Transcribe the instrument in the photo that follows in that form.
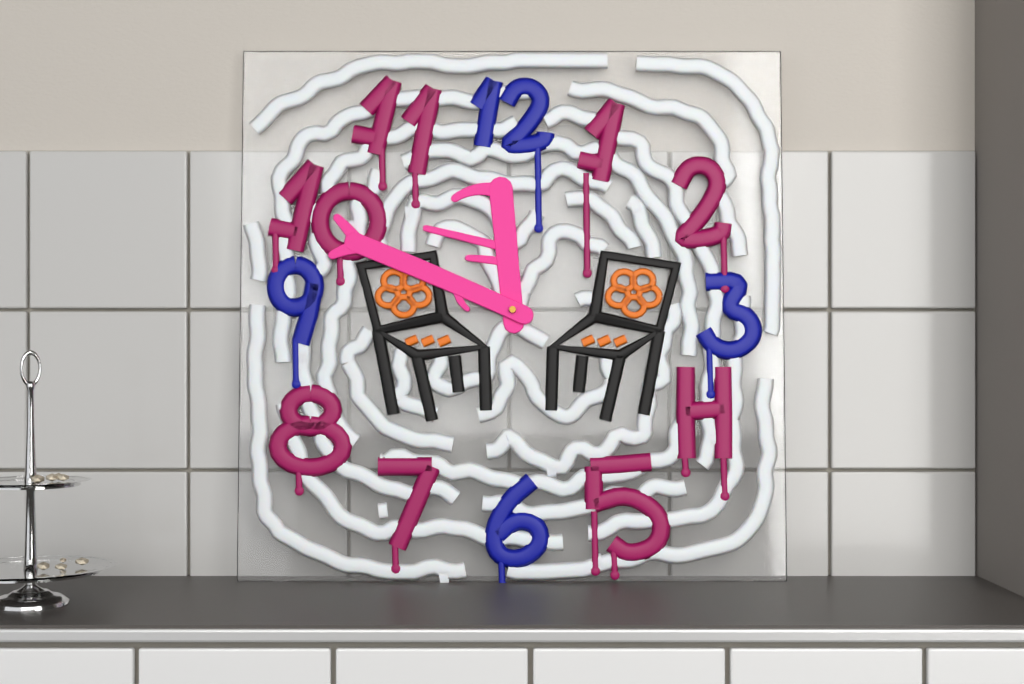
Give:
11h49
